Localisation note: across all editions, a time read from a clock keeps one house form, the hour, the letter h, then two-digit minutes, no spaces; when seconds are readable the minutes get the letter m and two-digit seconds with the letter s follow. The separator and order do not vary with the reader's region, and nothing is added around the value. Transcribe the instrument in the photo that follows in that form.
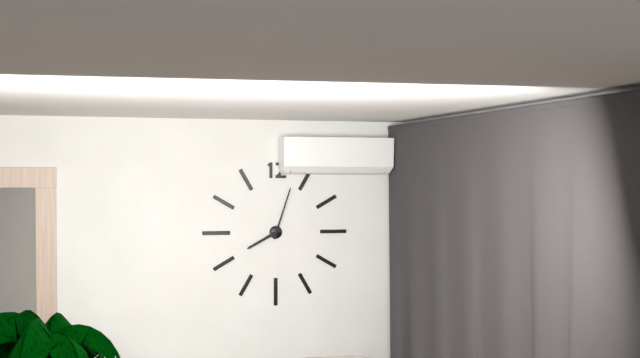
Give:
8h03
